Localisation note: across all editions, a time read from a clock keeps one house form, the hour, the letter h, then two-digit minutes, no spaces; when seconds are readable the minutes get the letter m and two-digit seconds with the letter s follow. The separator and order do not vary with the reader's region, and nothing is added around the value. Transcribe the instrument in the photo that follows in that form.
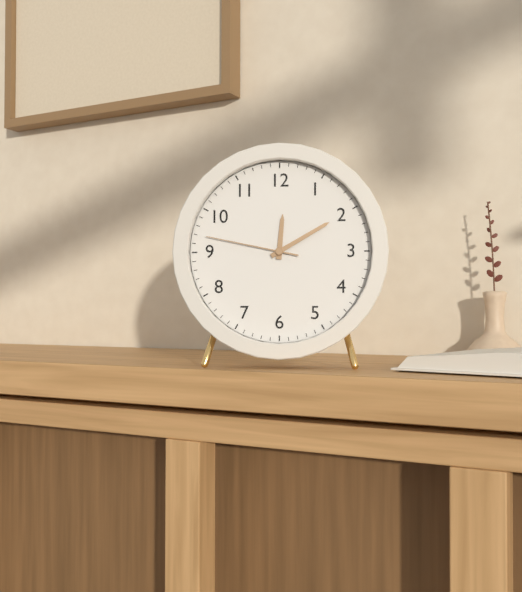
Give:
12h10m47s
